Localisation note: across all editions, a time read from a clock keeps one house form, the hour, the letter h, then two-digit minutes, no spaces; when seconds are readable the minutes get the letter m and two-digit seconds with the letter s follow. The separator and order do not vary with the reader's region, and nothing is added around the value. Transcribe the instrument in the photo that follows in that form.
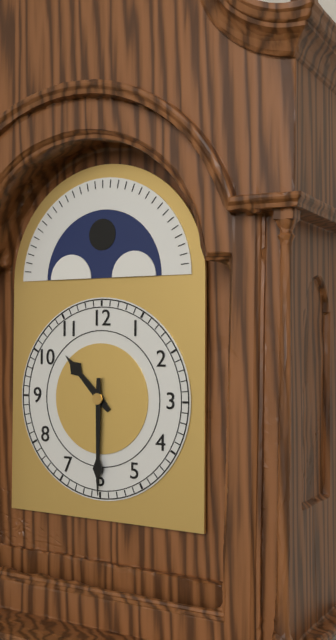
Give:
10h30
